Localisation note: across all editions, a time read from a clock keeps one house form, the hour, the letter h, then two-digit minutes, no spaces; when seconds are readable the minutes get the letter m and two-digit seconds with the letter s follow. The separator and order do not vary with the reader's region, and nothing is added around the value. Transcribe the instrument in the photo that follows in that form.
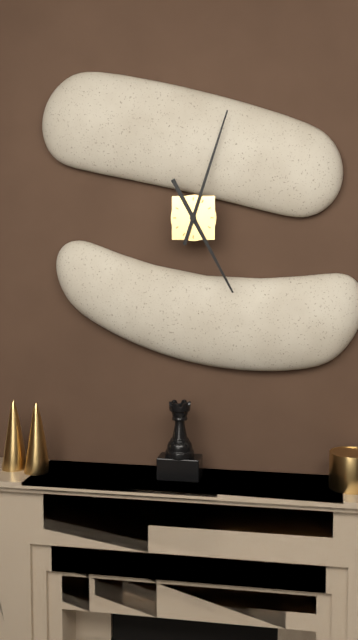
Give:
5h03
